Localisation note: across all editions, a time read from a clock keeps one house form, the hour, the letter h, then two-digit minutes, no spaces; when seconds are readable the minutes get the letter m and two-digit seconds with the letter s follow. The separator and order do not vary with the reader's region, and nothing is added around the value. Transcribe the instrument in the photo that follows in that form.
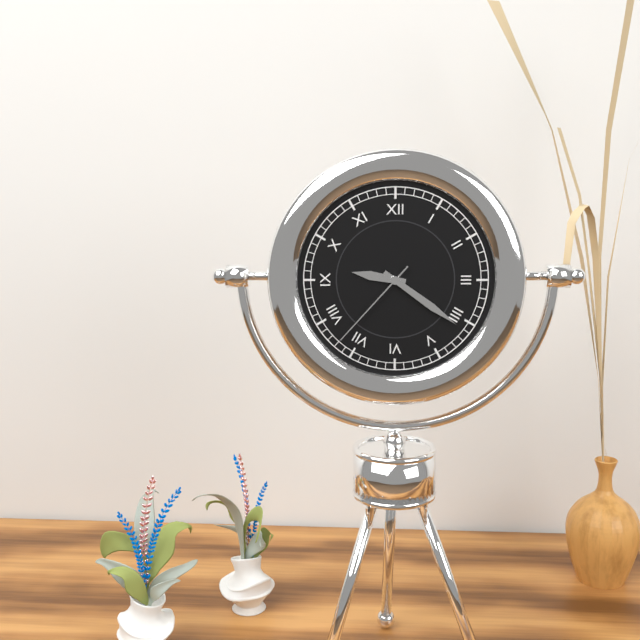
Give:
9h21m37s
